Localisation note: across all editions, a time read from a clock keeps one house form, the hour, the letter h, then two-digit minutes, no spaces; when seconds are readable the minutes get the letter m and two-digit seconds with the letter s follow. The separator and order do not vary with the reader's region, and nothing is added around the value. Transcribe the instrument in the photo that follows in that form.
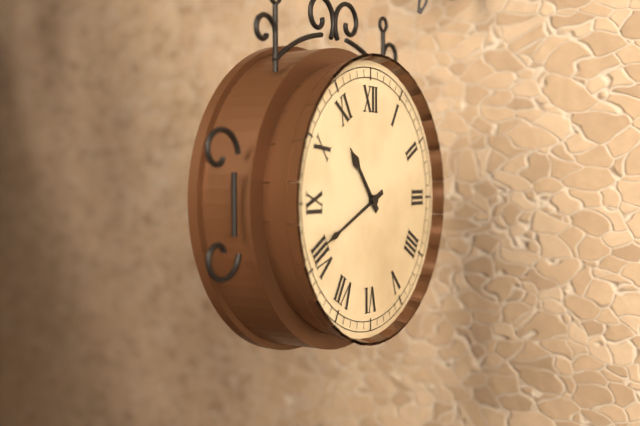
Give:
10h41
